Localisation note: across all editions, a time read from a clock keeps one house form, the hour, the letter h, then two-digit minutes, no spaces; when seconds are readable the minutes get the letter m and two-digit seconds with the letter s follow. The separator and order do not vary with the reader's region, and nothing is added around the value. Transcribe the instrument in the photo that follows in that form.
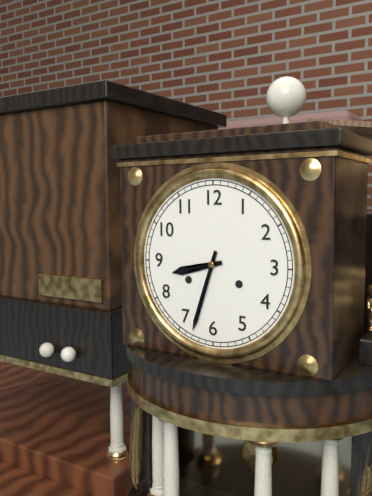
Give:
8h33
